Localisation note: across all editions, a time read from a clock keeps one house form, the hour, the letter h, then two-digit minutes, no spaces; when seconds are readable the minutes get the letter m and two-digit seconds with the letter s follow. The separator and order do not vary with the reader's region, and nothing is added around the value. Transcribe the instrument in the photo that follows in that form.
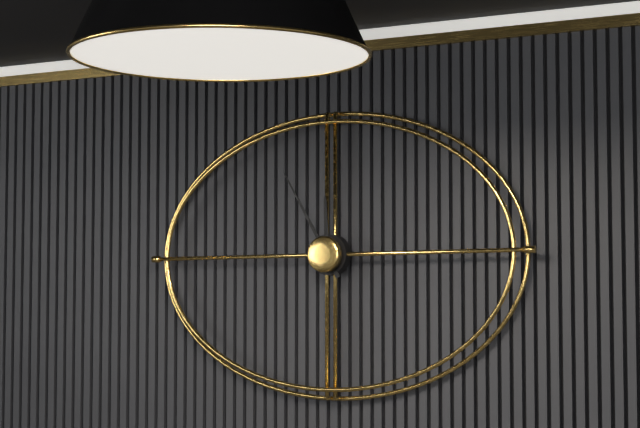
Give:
11h55
